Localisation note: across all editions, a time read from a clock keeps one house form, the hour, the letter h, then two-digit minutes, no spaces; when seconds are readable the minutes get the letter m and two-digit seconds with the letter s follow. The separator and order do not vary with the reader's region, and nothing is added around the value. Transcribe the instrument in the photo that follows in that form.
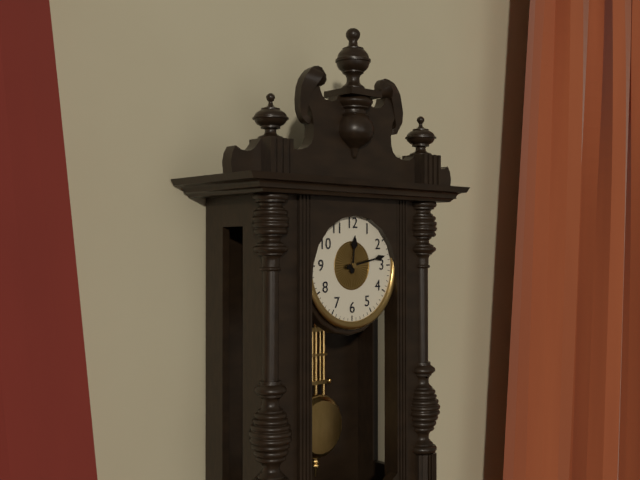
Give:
12h13
